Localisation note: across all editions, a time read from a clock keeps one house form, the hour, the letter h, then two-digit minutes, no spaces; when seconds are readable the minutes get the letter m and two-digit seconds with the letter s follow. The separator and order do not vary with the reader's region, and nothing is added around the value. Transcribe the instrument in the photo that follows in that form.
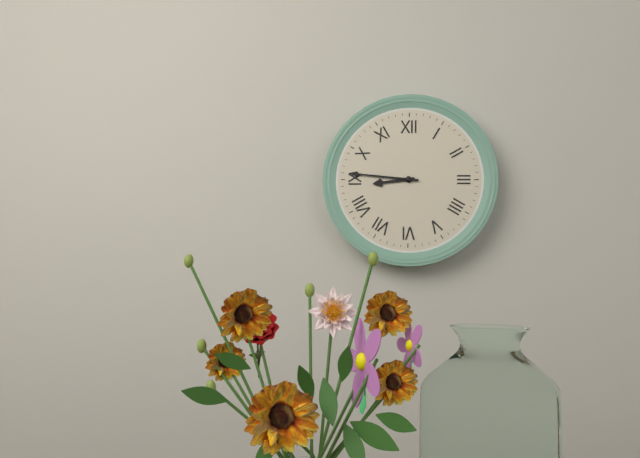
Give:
8h46
